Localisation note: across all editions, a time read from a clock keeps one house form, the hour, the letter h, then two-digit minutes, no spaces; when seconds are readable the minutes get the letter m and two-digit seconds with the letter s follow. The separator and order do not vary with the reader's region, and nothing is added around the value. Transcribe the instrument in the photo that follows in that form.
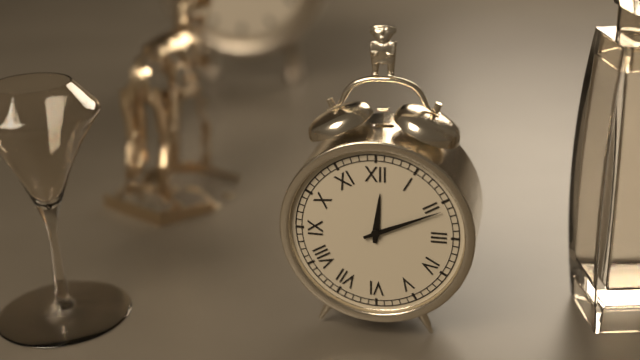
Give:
12h11
